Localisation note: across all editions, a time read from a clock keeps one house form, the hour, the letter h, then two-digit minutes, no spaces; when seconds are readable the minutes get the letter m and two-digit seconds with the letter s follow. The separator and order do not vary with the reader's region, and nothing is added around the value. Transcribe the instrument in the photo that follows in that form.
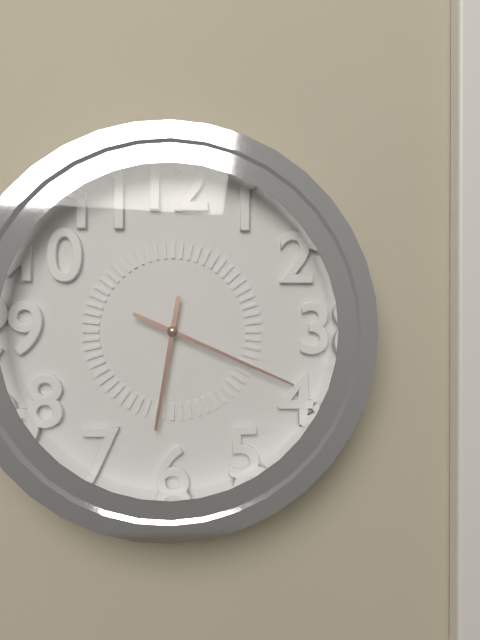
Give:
6h19
